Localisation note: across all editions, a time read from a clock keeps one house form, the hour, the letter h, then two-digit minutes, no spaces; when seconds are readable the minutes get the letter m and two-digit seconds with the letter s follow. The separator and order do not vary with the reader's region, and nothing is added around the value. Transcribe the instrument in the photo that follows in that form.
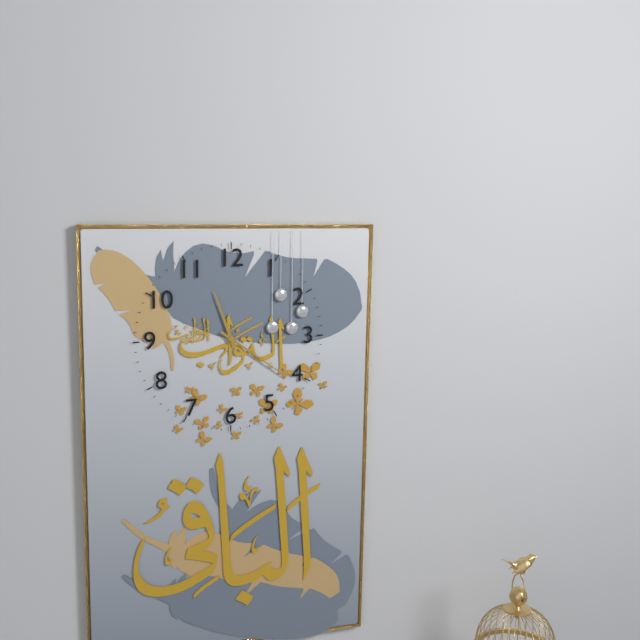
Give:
11h21
